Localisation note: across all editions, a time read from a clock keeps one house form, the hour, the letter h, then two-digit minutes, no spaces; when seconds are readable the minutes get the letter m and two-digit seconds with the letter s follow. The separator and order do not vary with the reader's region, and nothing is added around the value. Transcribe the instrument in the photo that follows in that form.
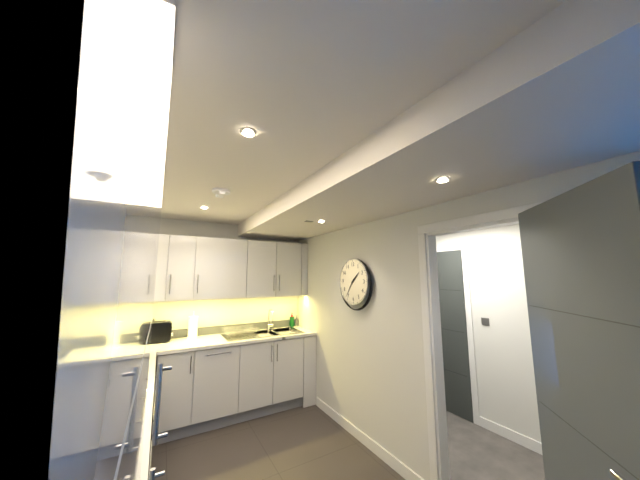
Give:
1h36
